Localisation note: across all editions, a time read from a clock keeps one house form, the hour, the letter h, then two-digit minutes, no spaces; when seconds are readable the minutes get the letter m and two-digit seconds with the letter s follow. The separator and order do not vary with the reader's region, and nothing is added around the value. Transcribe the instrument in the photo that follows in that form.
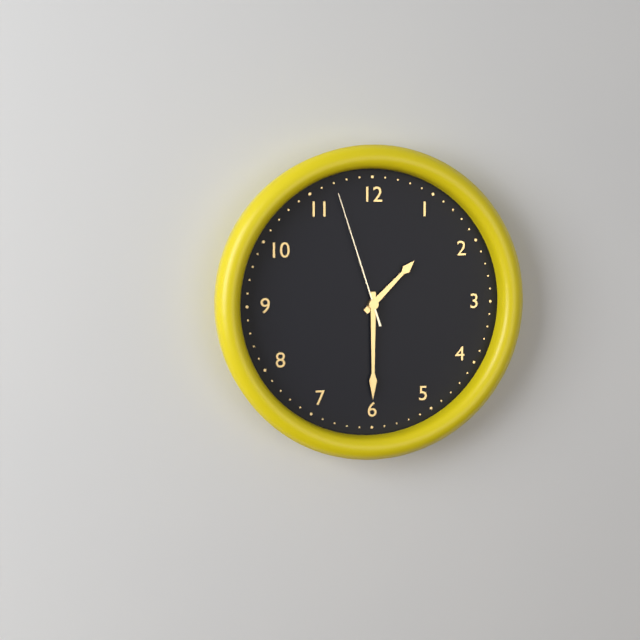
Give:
1h30m57s
